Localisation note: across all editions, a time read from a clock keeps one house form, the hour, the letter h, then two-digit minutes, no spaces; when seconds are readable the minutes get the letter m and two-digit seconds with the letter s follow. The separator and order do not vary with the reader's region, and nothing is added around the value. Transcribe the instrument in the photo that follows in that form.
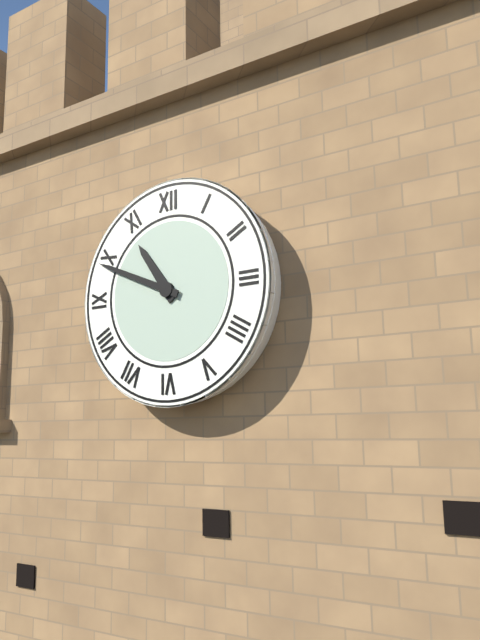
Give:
10h49
